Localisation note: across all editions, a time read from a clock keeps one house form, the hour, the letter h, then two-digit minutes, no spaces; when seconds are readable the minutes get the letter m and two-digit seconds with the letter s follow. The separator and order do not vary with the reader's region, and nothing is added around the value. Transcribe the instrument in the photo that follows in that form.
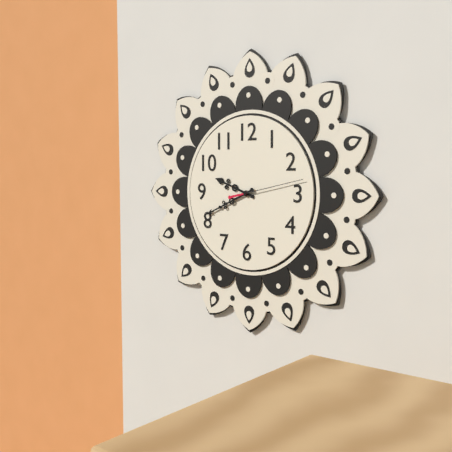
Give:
9h41m13s
